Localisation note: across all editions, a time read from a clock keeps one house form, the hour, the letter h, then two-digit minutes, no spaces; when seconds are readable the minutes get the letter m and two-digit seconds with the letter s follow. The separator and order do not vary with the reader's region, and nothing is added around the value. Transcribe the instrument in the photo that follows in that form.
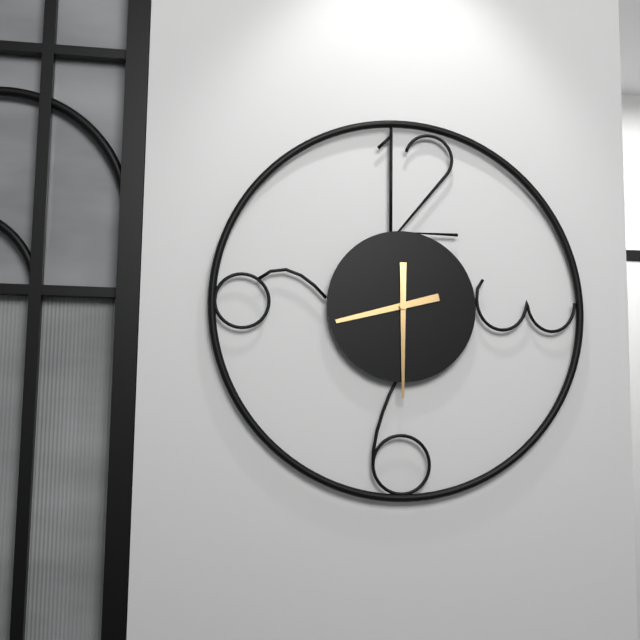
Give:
8h30
